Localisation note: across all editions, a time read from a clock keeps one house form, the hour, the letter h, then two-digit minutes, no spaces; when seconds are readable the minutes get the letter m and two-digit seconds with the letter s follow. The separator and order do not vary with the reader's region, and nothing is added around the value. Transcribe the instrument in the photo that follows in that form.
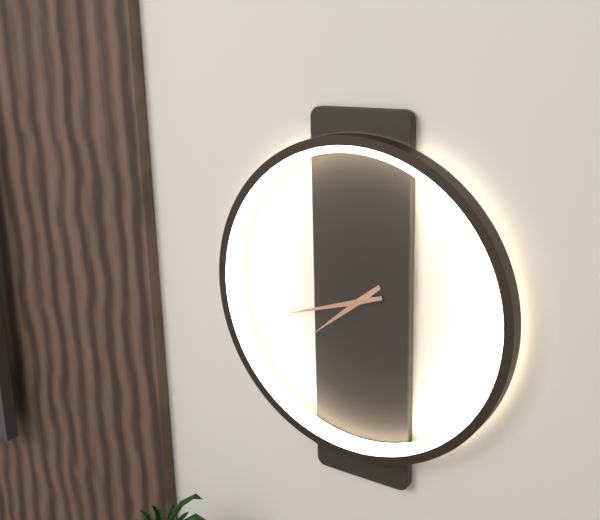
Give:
7h42
